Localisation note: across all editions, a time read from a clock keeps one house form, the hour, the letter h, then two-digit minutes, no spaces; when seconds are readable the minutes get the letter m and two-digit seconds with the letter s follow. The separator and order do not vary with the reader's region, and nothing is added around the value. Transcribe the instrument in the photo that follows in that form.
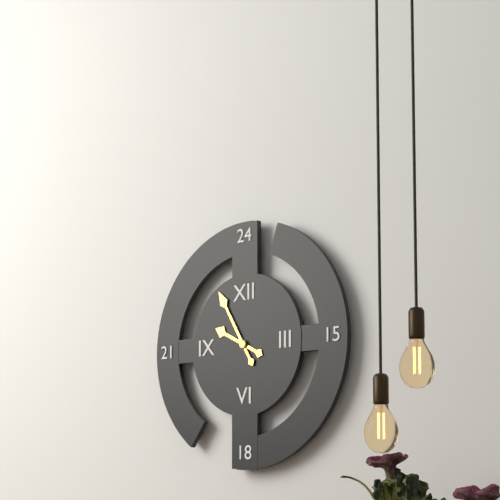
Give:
9h55
